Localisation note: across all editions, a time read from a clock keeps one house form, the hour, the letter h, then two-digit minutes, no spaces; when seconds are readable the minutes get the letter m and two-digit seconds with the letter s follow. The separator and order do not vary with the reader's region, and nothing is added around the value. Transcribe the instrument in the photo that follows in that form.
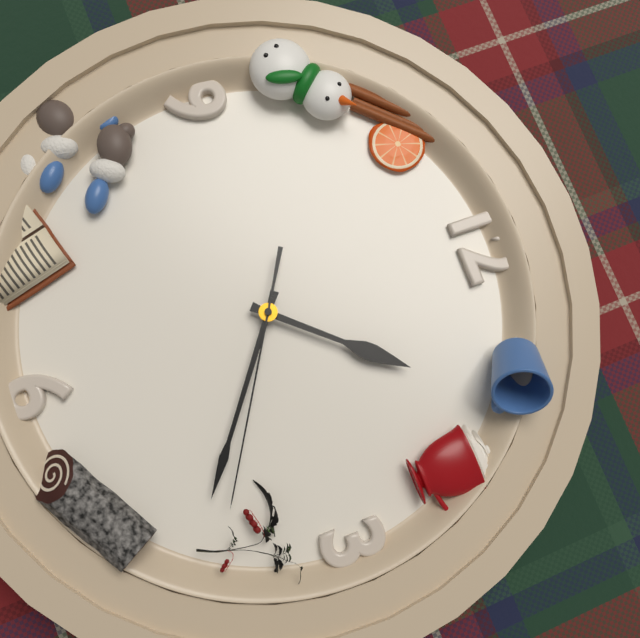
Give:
1h21m20s
